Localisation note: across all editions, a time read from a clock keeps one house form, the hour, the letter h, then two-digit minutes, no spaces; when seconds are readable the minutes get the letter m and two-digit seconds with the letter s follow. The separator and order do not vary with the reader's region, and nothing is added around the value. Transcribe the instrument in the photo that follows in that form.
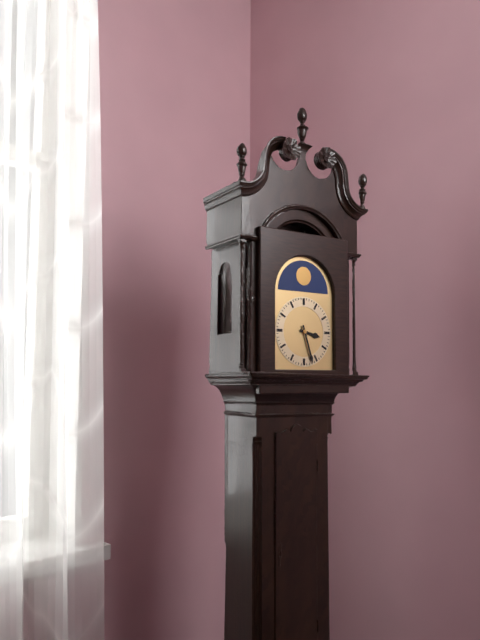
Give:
3h27
